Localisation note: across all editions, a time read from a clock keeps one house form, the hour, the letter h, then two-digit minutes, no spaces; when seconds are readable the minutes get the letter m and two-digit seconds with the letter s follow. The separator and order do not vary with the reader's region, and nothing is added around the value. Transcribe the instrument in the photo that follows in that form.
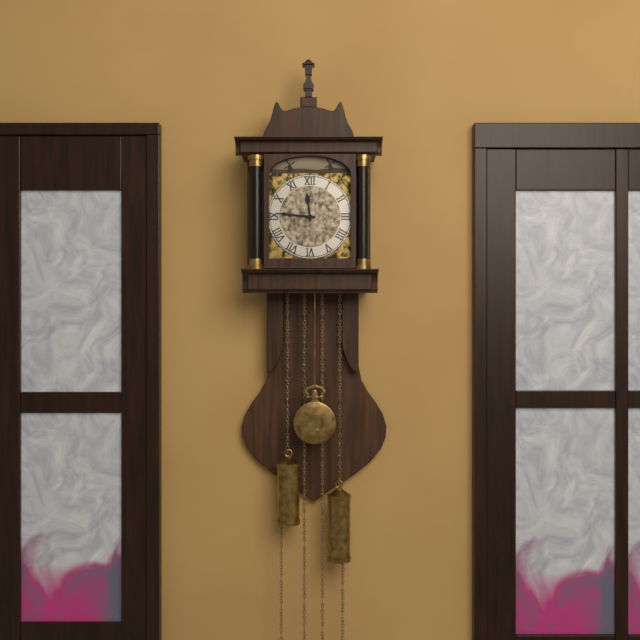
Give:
11h46
